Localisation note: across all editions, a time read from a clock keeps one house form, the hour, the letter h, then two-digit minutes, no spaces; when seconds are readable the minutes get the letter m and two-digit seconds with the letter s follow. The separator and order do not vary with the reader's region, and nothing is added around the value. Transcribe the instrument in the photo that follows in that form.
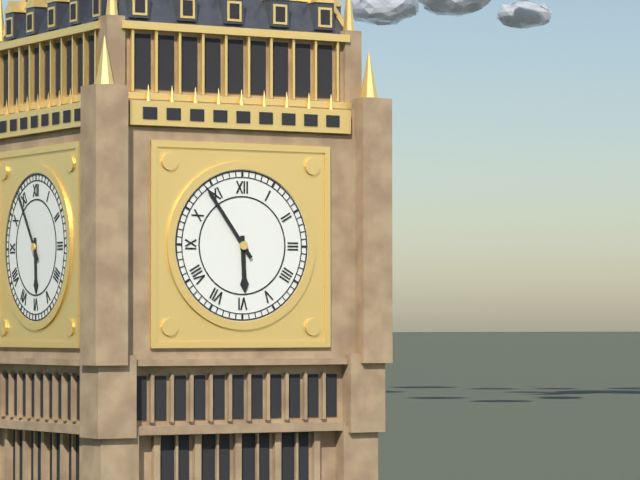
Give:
5h54
